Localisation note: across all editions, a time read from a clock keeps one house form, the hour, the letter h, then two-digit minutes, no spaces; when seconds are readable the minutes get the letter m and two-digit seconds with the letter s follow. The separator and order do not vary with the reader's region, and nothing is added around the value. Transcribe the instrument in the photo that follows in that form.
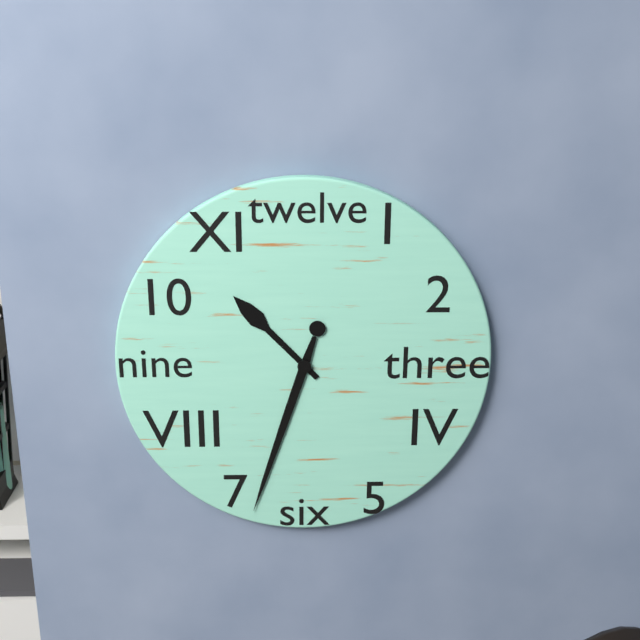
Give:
10h33
